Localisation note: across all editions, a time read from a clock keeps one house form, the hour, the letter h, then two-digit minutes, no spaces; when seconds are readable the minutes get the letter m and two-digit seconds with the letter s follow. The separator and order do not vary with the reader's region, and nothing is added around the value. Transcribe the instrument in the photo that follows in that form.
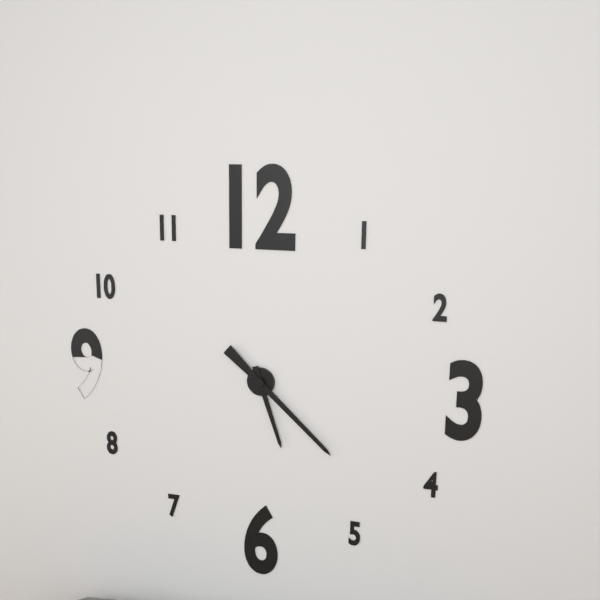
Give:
5h22
